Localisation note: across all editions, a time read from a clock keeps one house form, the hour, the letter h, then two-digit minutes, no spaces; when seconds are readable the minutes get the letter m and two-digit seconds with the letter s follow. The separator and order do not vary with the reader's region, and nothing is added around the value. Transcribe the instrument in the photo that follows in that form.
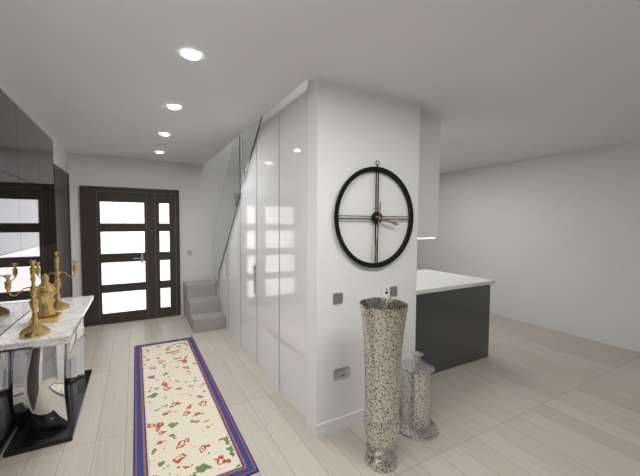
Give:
3h31
